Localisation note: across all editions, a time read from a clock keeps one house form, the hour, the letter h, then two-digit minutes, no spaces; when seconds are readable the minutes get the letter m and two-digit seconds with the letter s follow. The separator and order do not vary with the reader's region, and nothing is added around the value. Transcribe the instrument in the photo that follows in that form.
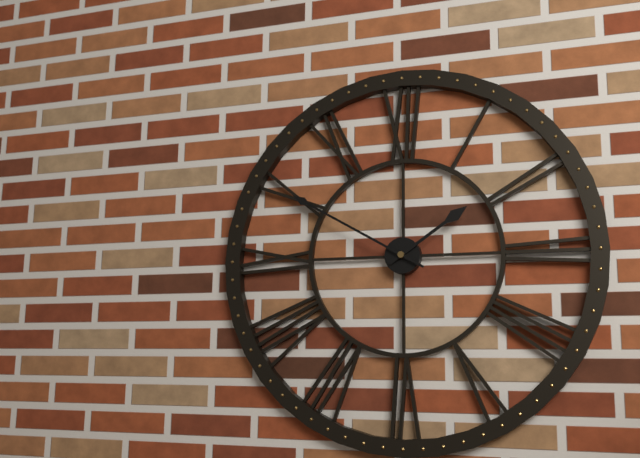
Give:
1h50
